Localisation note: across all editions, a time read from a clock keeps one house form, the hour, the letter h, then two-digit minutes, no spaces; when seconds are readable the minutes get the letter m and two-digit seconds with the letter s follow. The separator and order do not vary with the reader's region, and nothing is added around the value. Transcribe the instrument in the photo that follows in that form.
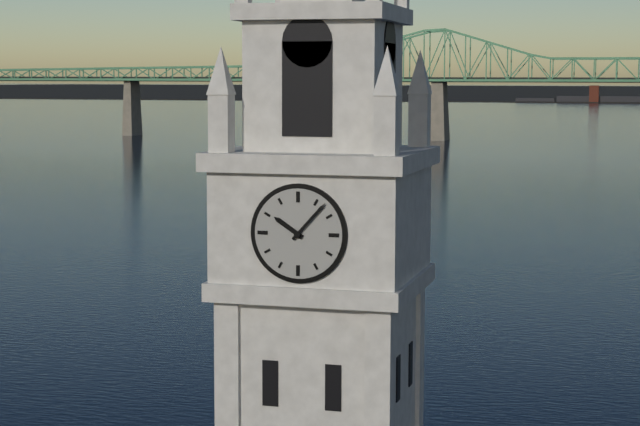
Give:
10h07
